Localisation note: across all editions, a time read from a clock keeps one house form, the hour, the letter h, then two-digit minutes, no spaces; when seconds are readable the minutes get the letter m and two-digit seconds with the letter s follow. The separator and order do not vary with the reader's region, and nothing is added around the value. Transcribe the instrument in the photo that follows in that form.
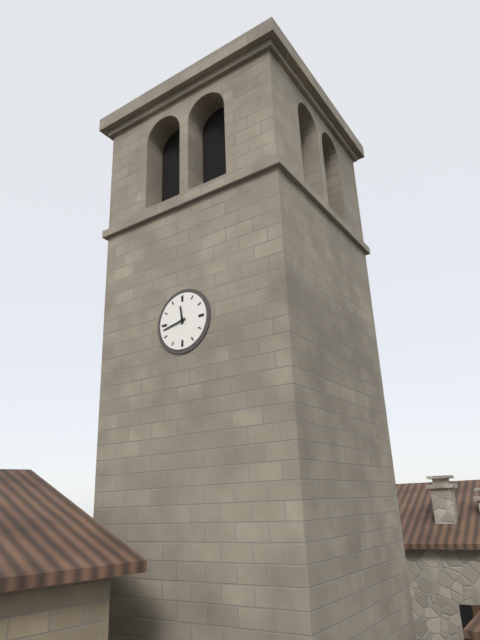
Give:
11h43
